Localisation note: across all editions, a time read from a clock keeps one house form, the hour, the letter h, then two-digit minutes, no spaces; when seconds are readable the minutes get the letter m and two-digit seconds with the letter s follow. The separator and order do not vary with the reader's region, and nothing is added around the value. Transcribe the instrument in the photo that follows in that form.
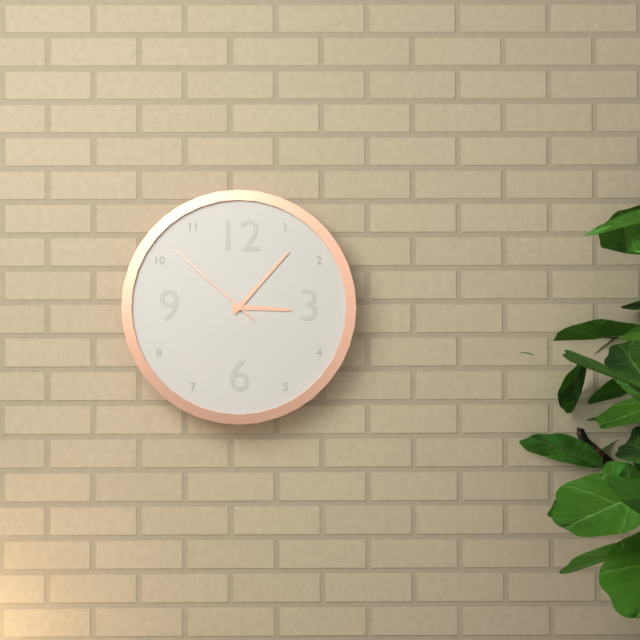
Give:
3h07m52s
